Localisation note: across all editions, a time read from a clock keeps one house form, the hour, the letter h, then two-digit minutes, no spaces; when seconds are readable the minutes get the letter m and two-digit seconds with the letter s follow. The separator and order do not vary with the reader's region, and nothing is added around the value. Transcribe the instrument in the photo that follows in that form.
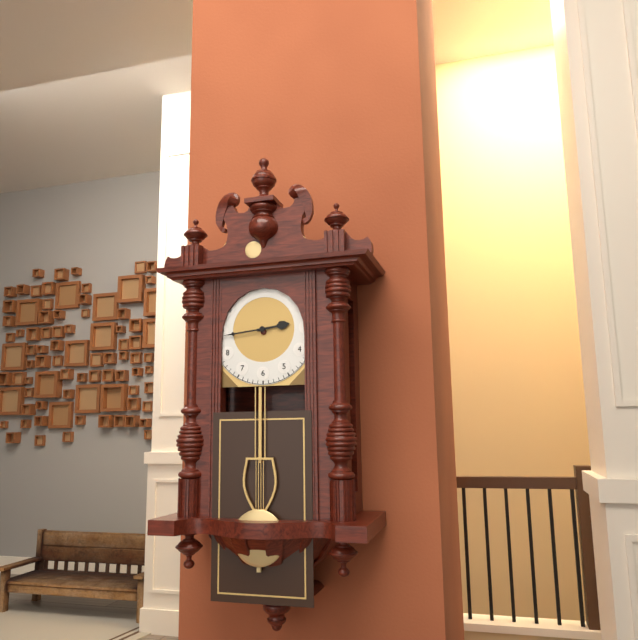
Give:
2h44
